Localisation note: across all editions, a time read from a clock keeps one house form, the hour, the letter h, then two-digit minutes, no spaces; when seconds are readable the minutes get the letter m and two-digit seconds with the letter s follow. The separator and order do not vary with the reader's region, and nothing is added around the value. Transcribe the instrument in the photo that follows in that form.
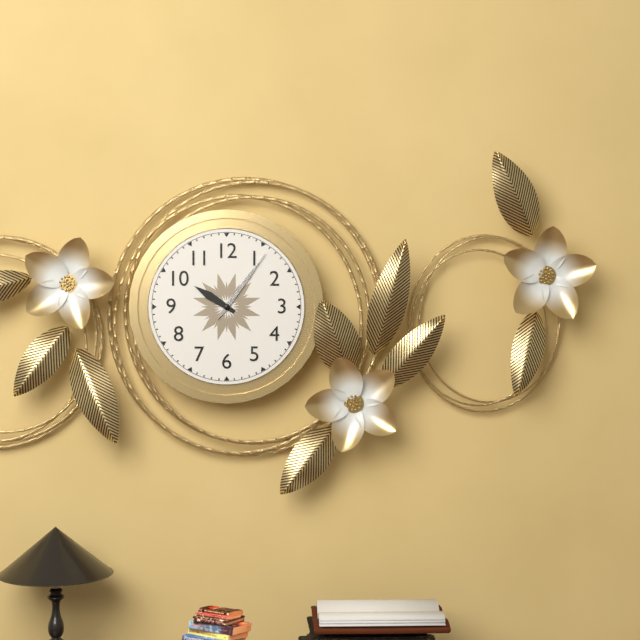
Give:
10h06m06s
